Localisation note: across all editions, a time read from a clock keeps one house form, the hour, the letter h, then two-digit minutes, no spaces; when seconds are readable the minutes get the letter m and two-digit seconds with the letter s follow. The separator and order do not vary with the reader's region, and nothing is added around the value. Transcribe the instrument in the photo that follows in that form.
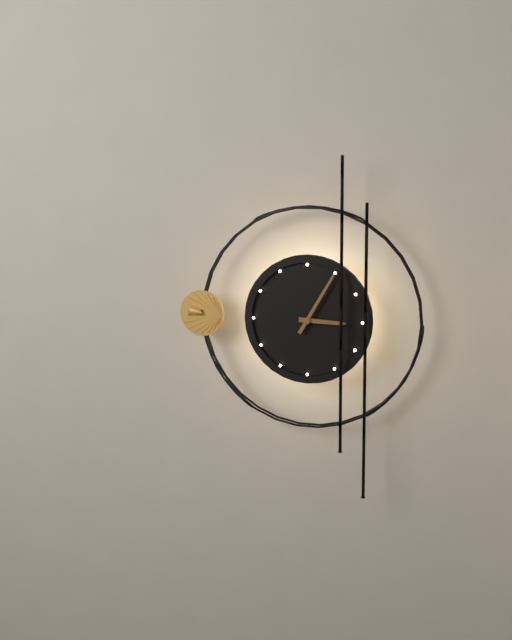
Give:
3h05
